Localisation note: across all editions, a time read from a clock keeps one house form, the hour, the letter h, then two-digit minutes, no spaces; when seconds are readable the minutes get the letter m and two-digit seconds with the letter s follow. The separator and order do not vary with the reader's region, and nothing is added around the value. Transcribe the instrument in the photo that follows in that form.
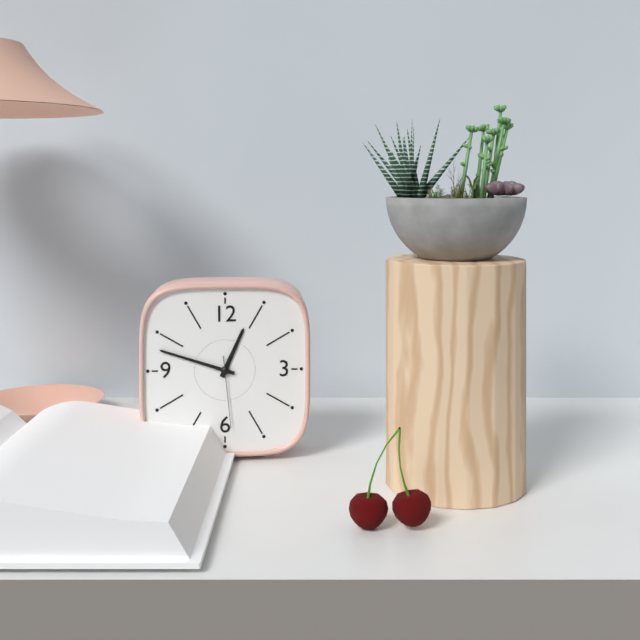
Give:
12h48m29s
